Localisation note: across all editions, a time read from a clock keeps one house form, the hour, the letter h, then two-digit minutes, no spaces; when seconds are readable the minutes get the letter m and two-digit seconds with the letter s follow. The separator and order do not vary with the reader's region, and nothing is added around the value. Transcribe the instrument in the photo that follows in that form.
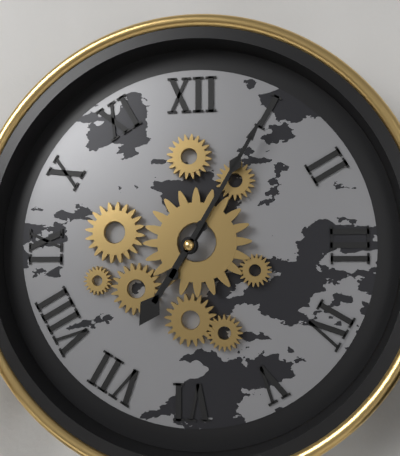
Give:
7h05
